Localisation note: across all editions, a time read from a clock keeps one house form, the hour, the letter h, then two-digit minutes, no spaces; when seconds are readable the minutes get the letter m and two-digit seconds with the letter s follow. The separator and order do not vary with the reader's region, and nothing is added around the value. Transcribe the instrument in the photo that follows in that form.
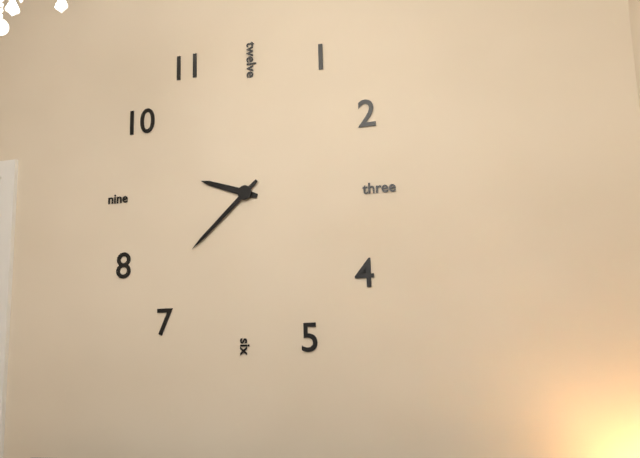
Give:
9h38
